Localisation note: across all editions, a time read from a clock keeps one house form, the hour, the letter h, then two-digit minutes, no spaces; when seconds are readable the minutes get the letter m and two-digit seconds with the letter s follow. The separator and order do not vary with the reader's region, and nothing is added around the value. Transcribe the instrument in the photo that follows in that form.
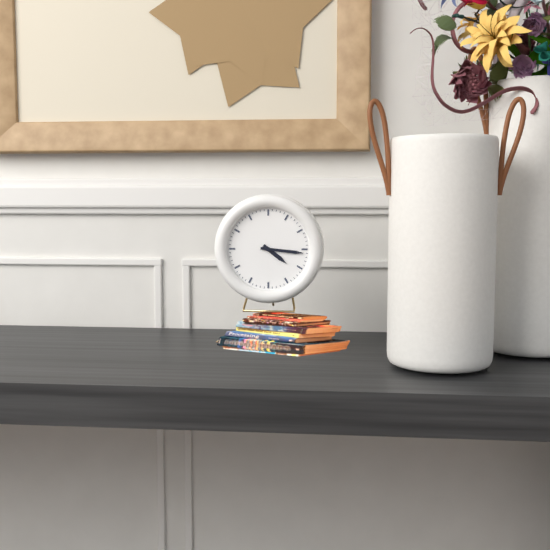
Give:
4h16
